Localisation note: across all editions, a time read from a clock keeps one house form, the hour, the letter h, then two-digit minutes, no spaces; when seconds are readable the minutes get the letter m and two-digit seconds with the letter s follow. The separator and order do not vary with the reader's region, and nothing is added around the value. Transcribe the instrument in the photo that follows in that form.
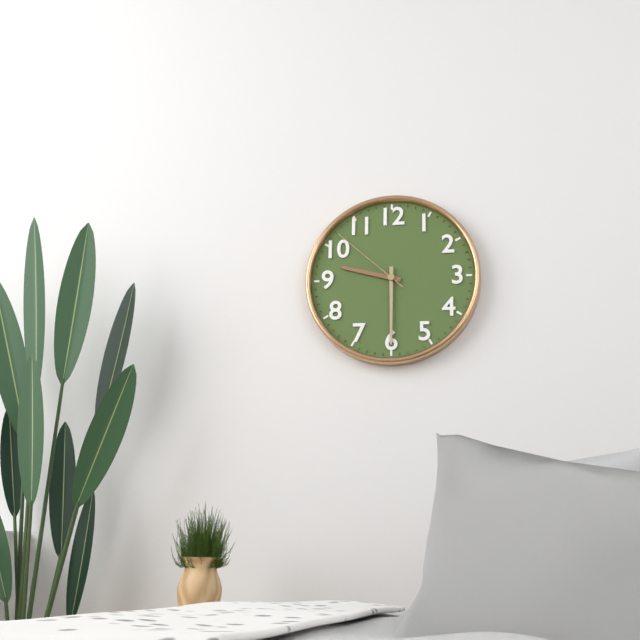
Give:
9h30m52s
